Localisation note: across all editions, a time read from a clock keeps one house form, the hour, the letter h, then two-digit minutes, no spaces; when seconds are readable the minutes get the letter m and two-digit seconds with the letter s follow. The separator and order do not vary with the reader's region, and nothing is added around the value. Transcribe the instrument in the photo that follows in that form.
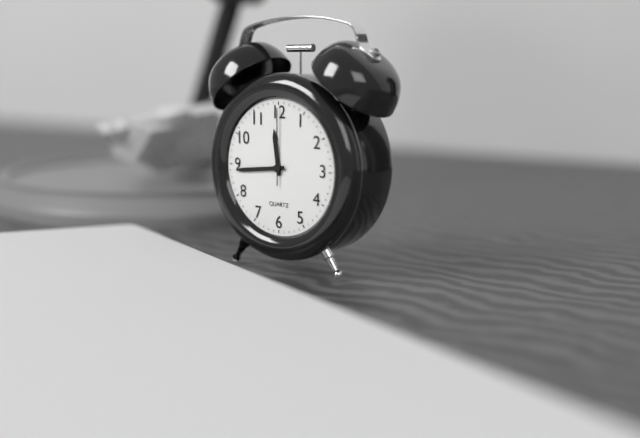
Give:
11h44m00s
